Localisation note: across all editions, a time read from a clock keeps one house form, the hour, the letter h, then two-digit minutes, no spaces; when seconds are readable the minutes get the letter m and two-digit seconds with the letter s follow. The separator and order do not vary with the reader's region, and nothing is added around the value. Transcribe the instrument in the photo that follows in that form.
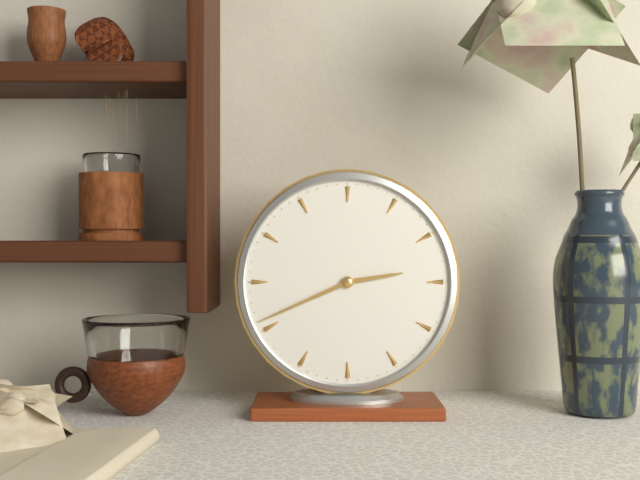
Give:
2h41
